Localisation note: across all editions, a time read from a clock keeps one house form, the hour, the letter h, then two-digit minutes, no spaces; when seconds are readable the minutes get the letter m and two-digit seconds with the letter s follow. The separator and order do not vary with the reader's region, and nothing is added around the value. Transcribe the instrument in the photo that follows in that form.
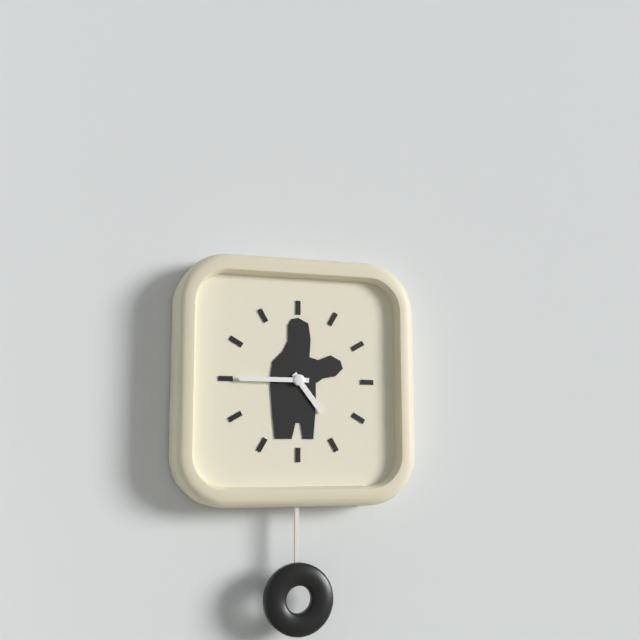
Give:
4h45
